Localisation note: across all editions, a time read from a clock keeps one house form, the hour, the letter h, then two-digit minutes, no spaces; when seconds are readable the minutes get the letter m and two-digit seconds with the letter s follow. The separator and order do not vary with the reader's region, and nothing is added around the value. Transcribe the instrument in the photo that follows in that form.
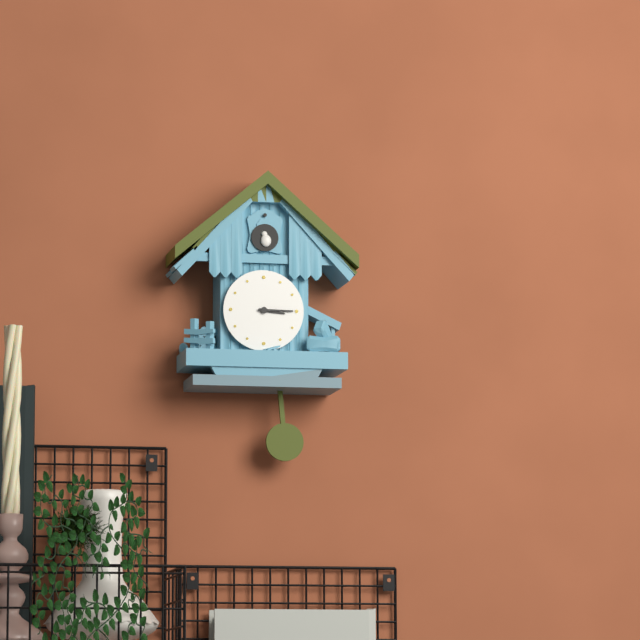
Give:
3h15
